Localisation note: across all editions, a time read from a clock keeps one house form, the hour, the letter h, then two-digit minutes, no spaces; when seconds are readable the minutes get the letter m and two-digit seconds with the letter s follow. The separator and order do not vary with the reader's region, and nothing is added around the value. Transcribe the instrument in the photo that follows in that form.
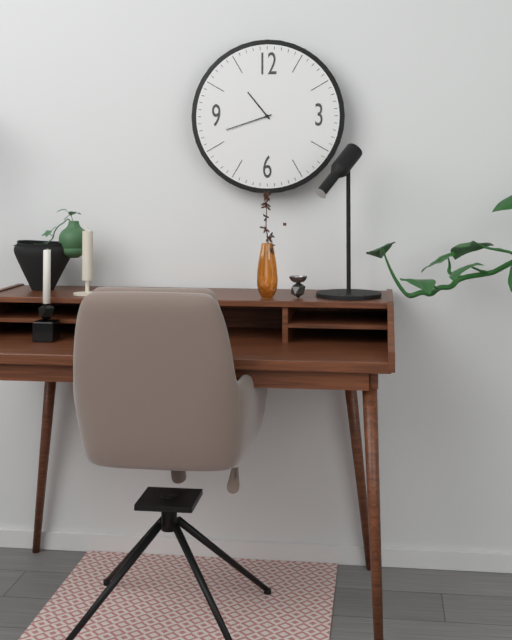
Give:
10h42
